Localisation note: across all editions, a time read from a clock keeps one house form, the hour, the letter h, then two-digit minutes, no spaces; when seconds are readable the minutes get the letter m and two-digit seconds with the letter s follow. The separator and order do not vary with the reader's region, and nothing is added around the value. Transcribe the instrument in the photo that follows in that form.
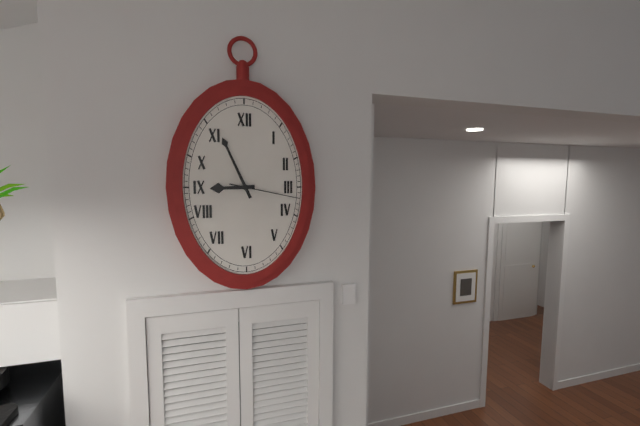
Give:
8h56m17s
